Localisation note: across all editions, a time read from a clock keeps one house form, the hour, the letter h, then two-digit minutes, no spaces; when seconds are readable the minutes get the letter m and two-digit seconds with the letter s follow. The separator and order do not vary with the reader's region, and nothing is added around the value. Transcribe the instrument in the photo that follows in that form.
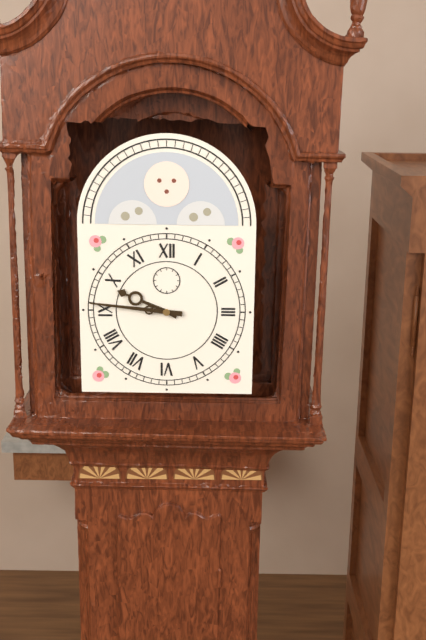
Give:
9h46
